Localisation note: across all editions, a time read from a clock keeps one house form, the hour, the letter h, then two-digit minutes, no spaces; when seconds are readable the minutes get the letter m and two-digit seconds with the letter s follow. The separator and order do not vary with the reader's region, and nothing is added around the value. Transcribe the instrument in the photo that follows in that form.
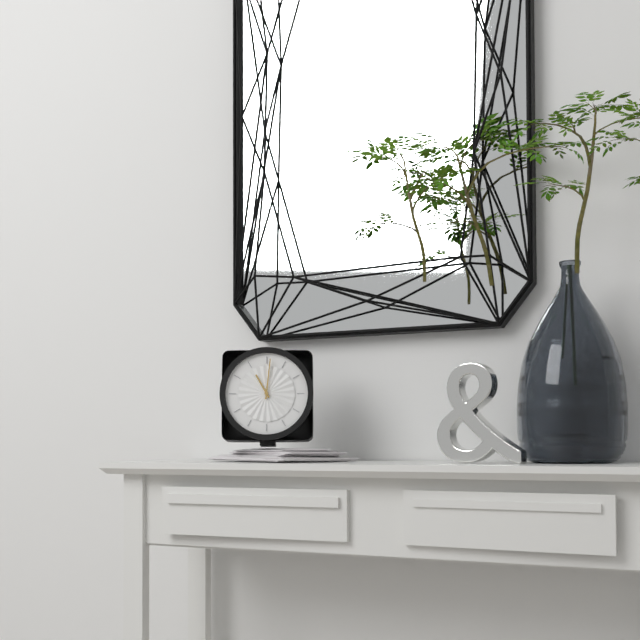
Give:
11h01
